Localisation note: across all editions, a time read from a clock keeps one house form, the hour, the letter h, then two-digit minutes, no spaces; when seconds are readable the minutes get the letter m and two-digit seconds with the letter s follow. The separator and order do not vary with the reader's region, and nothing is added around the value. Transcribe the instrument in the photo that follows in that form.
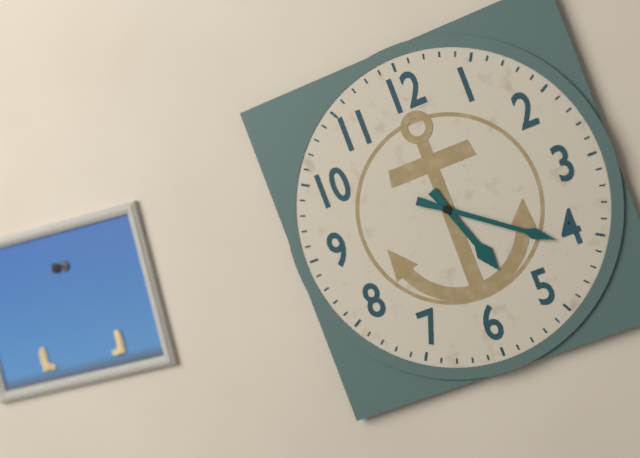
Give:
5h21
